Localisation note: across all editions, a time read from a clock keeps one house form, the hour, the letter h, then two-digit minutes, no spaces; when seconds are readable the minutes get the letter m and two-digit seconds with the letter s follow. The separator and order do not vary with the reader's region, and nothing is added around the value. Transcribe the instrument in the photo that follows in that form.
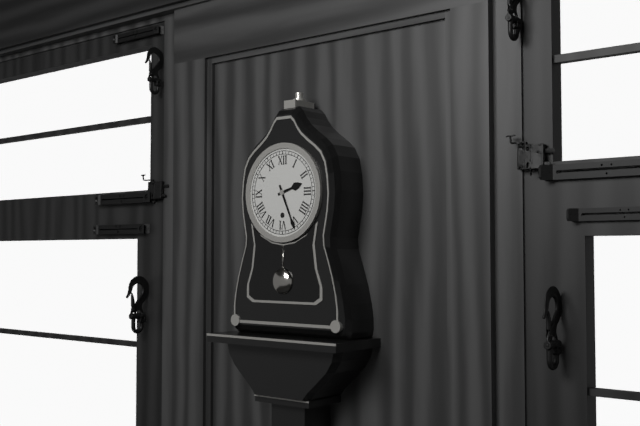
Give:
2h26
